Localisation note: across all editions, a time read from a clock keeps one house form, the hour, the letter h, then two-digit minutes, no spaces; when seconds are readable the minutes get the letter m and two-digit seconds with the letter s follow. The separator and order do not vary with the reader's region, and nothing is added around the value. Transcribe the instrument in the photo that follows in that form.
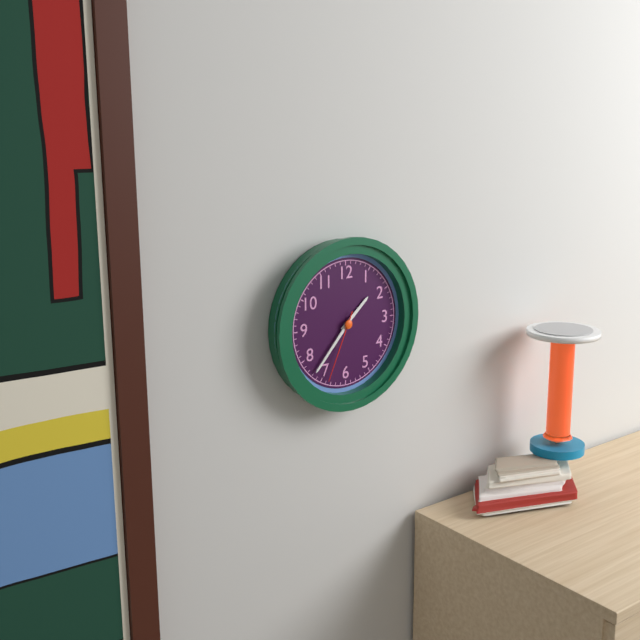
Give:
1h37m34s
